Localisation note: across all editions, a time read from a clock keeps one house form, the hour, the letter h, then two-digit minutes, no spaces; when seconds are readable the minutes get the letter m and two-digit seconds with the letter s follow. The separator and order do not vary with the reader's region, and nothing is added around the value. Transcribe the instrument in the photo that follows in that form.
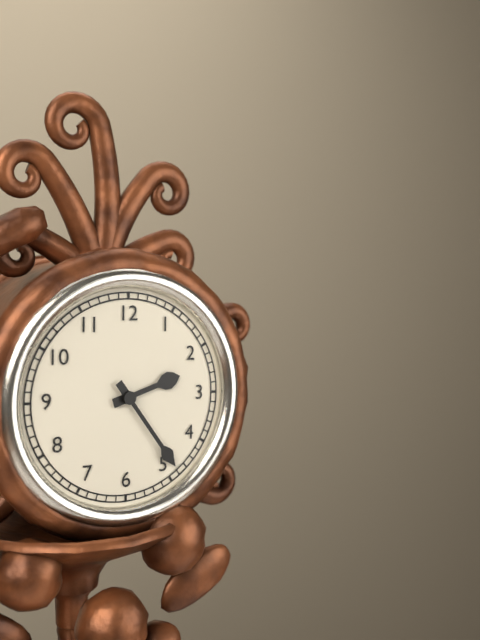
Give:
2h24
